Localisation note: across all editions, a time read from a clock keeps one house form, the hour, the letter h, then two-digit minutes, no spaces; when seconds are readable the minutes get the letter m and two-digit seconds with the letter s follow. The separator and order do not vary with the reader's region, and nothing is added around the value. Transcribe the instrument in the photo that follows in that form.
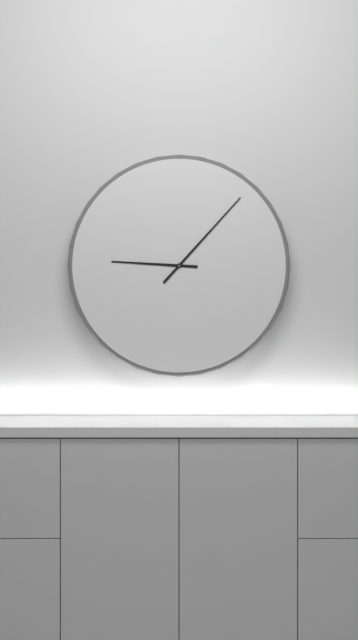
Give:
9h07
